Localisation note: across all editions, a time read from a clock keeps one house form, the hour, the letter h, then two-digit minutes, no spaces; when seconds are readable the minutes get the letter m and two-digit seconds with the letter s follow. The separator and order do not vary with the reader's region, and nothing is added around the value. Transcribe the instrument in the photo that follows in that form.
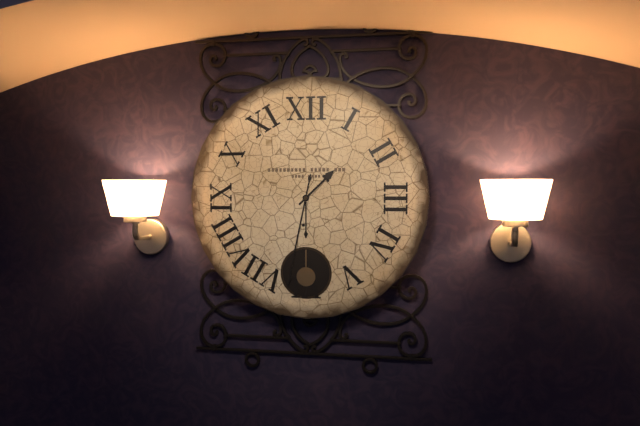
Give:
1h32
